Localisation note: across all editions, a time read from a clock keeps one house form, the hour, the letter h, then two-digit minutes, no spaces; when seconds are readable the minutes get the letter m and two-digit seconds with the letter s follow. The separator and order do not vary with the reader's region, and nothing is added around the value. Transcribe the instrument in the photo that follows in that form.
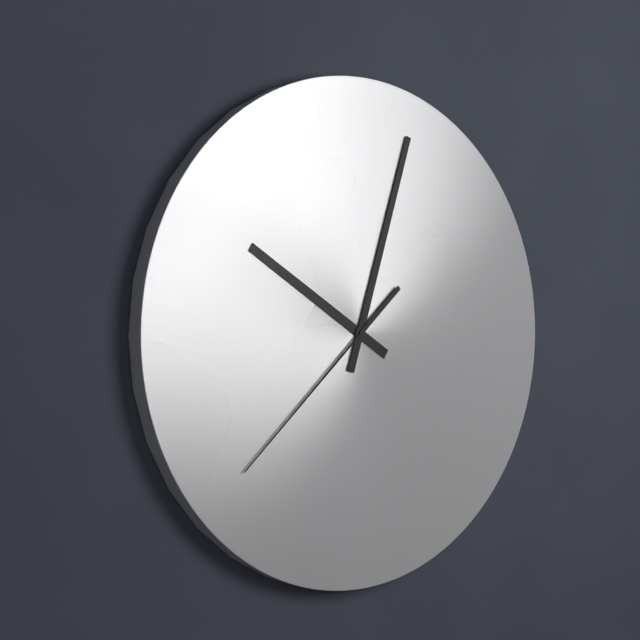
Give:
10h03m38s
